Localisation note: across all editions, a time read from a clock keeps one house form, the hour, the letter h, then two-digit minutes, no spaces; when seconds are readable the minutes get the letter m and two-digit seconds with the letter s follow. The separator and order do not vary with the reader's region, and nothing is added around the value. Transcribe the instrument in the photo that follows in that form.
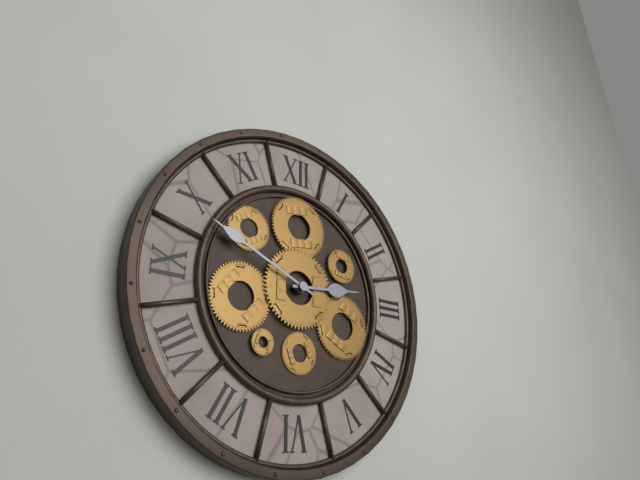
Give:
2h49
